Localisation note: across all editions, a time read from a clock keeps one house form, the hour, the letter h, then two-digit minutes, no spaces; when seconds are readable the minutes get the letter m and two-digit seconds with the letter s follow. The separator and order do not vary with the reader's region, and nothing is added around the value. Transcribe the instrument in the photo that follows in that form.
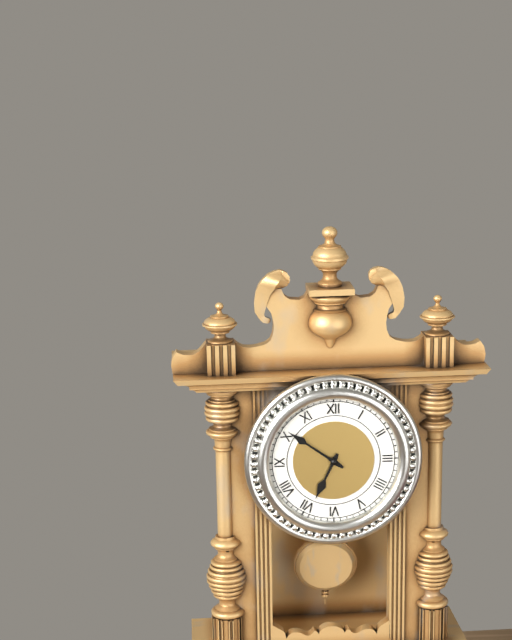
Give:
6h51
